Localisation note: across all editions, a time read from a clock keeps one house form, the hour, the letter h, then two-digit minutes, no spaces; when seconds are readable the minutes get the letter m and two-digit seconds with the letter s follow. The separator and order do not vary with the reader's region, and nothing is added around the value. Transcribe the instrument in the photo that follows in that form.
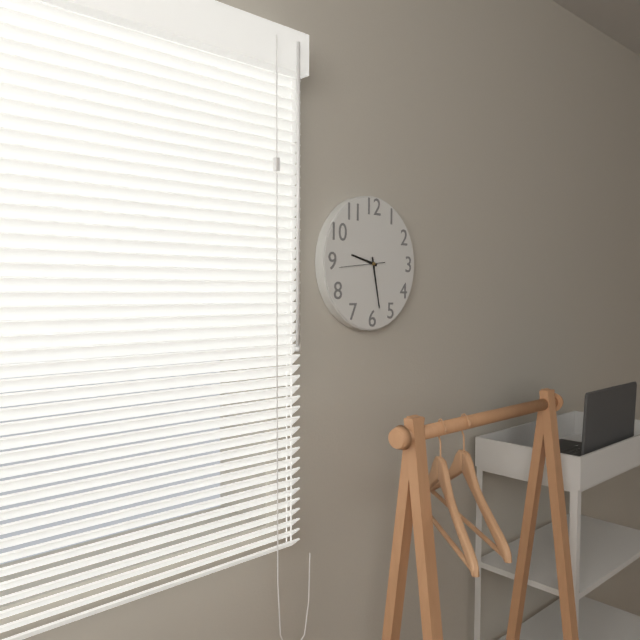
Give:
9h28
